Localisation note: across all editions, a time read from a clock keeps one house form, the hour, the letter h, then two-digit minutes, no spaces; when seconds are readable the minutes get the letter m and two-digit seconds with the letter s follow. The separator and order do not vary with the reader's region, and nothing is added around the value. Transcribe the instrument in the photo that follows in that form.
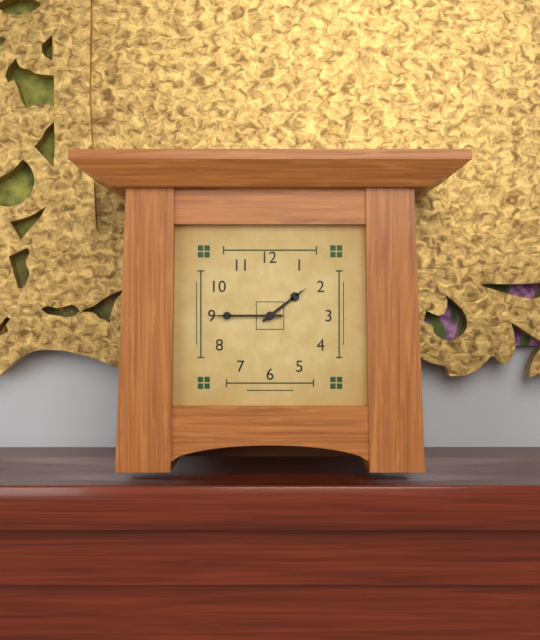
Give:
1h45
